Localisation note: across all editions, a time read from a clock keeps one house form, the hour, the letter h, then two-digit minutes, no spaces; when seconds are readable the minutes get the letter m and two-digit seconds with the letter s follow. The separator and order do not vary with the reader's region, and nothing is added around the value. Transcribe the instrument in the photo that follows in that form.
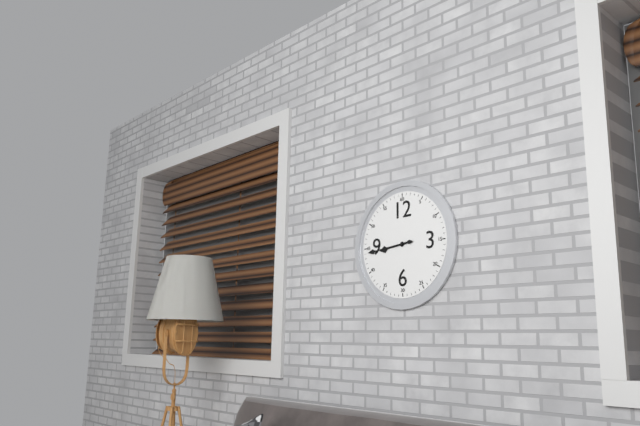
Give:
8h44
